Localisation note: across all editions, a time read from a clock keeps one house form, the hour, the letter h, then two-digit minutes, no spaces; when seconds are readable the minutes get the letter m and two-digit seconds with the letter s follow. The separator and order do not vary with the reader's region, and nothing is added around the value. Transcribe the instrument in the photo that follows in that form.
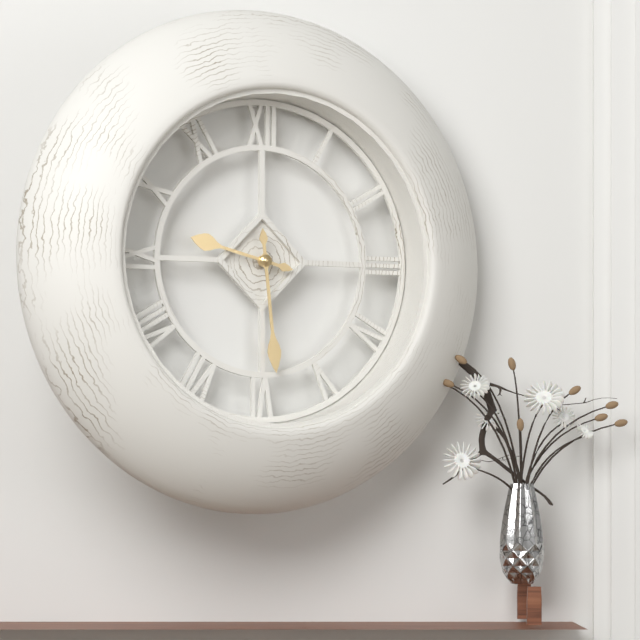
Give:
9h29
